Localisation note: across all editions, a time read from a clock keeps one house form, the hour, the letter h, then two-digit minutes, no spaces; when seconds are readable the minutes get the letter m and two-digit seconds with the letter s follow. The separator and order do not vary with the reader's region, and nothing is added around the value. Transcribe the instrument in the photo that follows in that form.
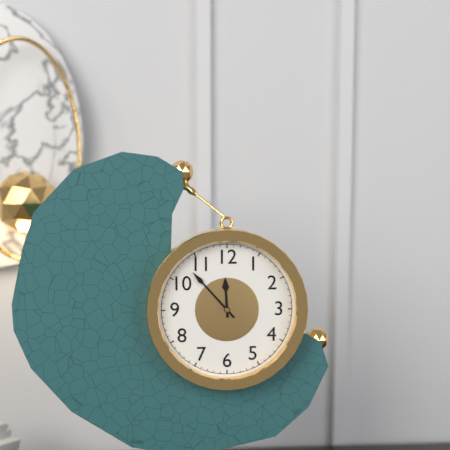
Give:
11h53
